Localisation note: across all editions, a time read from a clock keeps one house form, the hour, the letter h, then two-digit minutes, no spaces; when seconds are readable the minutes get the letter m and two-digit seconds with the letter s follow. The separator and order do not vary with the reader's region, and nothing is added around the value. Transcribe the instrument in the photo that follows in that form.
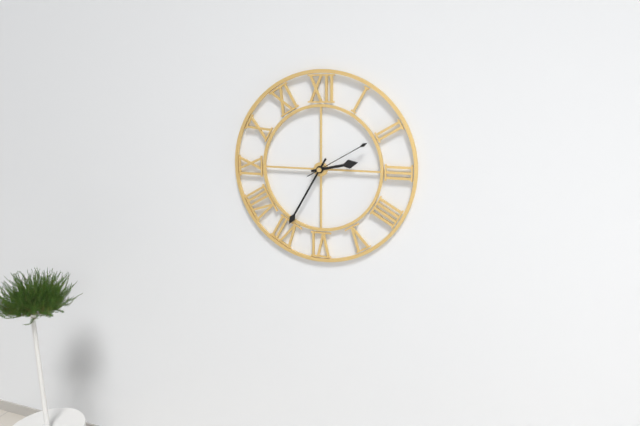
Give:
2h35m10s
